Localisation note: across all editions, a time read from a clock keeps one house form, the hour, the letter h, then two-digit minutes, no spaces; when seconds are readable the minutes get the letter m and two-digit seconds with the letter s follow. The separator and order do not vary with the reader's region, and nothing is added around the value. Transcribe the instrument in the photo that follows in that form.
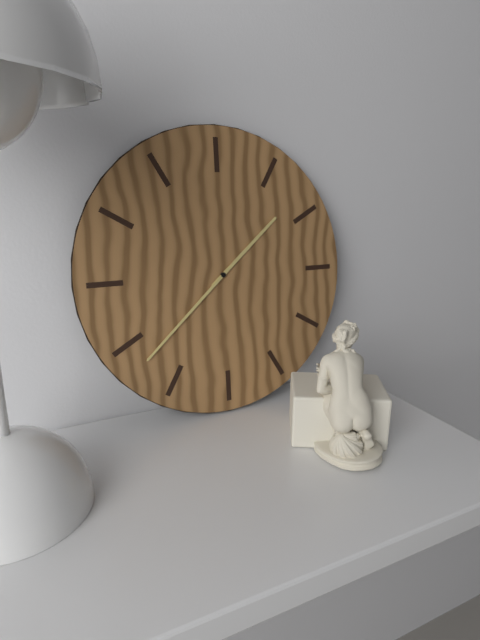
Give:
1h38
